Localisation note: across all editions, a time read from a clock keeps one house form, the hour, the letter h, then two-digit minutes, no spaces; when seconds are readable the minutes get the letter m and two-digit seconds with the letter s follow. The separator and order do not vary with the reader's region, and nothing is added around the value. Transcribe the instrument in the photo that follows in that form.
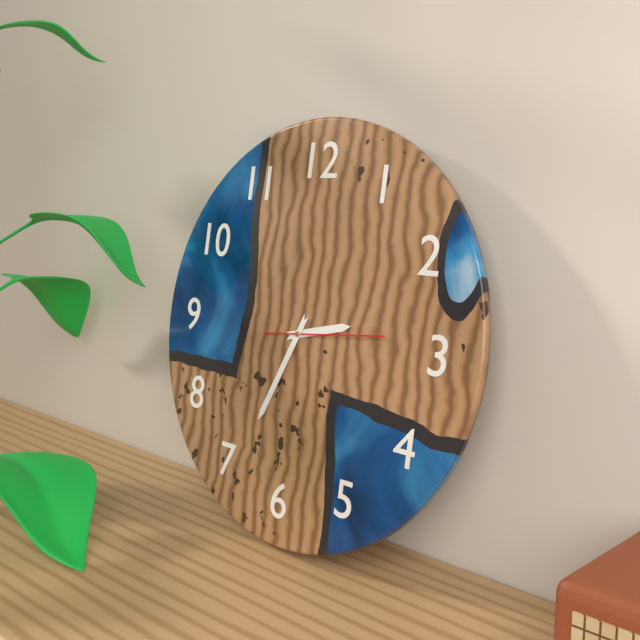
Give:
2h34m14s
